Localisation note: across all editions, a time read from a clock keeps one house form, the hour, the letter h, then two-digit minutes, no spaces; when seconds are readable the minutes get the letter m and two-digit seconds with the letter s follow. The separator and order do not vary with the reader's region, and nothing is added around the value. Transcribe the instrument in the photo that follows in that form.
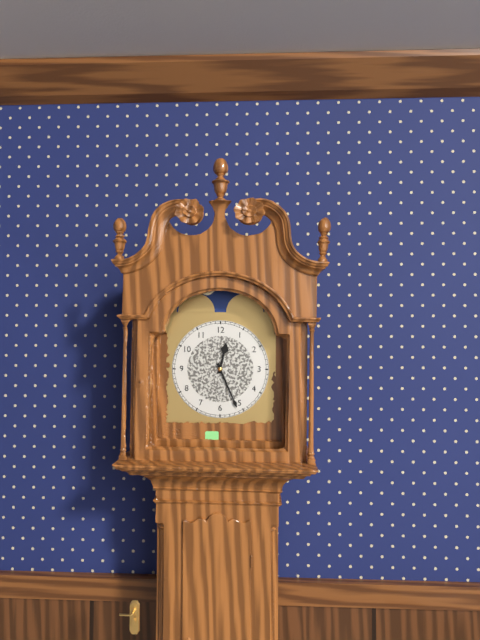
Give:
12h26
